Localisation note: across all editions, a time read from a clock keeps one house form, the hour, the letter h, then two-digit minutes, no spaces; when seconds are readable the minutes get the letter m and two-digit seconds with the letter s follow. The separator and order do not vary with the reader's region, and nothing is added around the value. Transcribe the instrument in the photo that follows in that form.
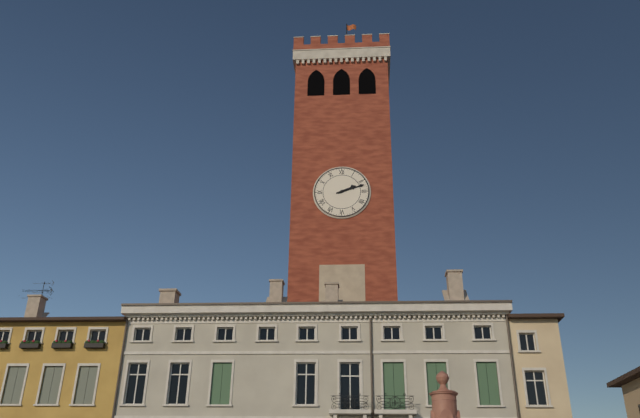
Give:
2h12
